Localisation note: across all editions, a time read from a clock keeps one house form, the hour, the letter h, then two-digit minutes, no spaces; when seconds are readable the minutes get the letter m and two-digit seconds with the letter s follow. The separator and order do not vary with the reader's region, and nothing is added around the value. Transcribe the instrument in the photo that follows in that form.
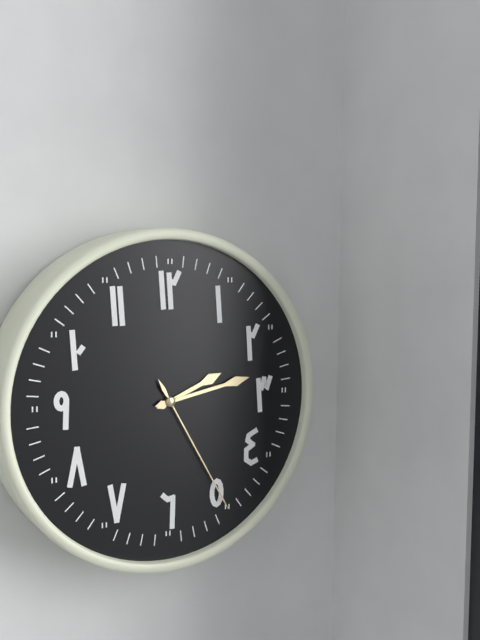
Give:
2h13m25s
